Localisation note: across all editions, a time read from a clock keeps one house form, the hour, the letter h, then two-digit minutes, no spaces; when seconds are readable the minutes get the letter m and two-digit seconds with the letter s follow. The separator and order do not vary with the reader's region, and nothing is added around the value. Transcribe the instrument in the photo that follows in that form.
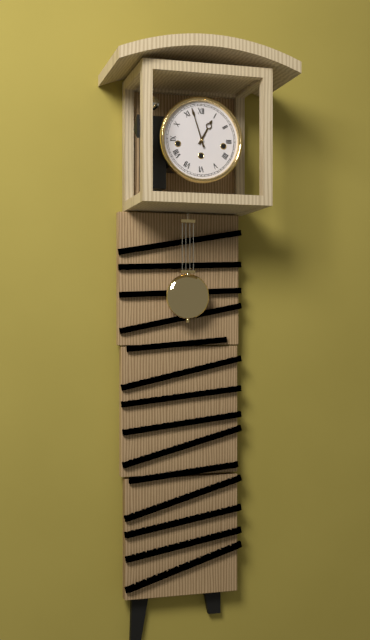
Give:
12h57
